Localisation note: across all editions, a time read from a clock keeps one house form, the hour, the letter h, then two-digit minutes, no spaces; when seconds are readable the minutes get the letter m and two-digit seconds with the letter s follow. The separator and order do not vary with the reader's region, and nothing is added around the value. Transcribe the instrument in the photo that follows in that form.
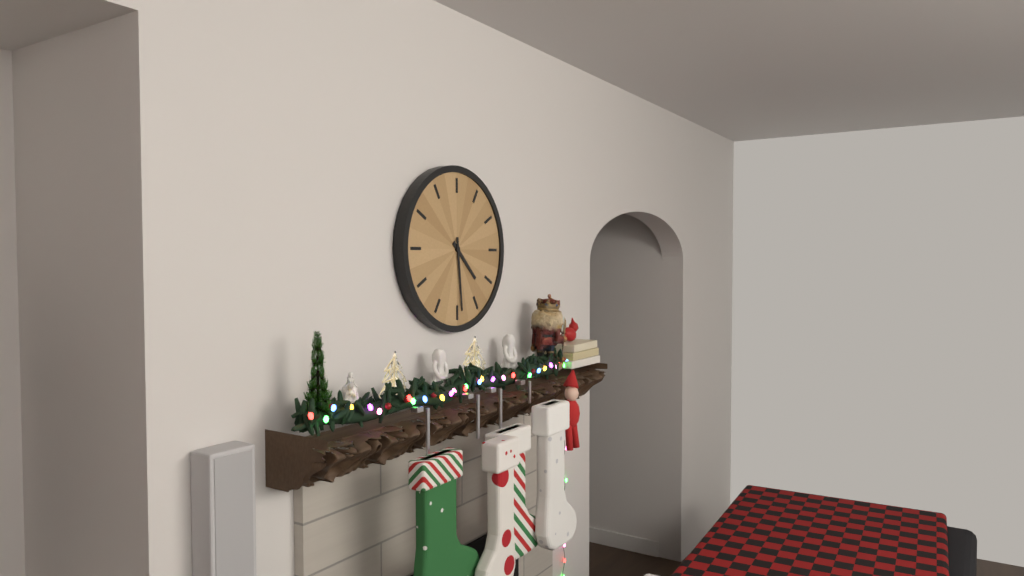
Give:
4h29
